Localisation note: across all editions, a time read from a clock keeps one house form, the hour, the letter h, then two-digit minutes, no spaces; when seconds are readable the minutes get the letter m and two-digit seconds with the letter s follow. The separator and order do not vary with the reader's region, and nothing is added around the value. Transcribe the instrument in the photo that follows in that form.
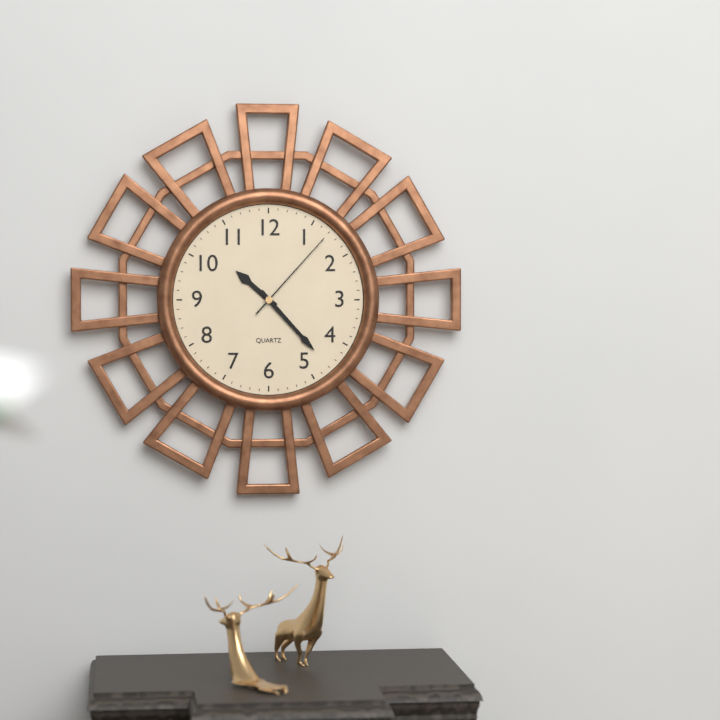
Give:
10h23m07s
